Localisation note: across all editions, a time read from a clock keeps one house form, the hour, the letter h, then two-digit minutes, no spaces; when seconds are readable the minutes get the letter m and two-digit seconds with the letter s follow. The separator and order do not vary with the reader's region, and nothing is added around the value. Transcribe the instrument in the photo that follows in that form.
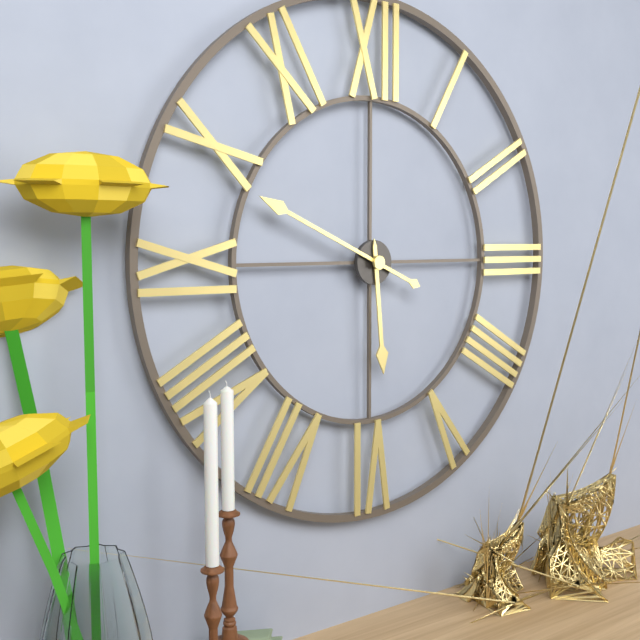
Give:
5h49
